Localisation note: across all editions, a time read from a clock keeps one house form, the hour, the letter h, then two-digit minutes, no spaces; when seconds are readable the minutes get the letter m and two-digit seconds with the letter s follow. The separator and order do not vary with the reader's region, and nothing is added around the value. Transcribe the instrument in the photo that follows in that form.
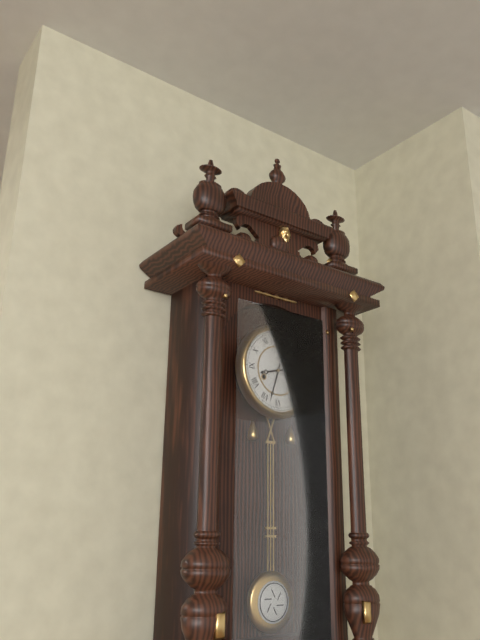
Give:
8h33
